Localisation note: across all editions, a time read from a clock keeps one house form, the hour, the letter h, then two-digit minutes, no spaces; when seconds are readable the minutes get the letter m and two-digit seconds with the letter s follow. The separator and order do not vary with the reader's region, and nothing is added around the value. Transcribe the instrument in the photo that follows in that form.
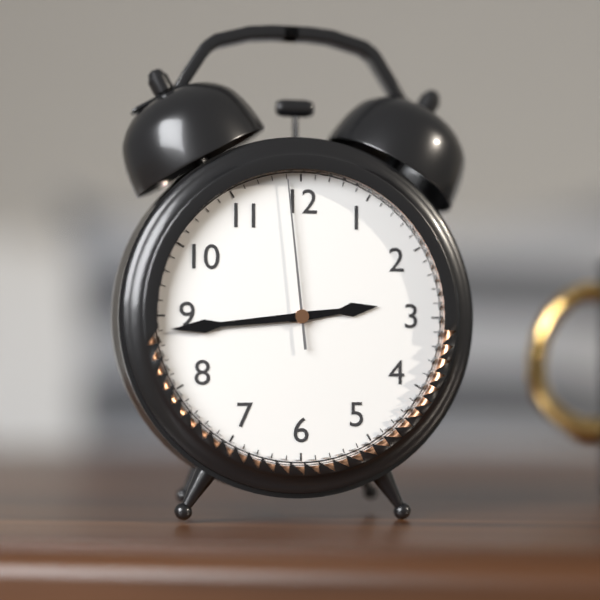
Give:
2h44m59s
